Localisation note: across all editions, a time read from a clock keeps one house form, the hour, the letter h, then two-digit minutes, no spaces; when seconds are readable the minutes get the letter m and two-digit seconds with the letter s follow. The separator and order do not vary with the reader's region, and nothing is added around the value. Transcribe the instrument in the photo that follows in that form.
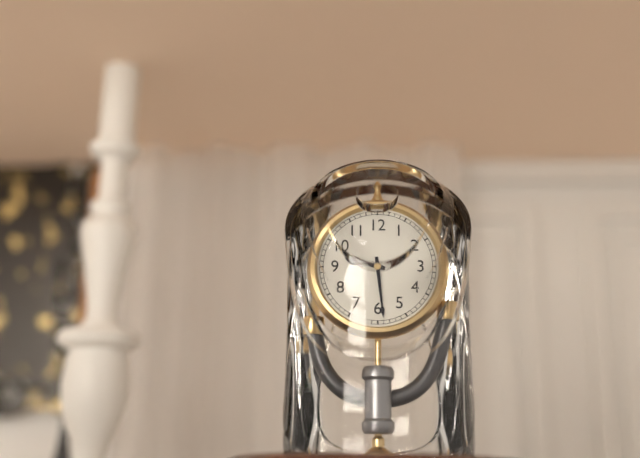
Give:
9h29
